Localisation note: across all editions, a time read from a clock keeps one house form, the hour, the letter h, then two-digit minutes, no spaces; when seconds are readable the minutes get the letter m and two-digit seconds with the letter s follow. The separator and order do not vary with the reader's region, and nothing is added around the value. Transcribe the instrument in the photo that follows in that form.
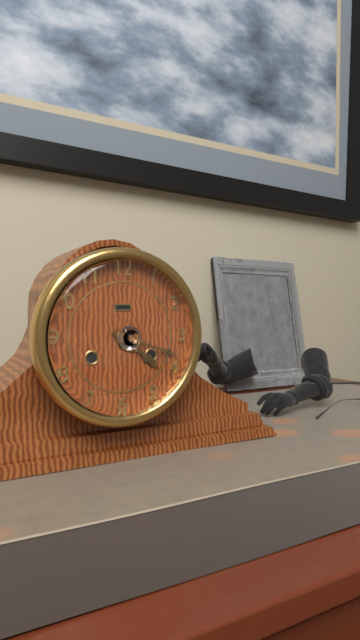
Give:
4h18
